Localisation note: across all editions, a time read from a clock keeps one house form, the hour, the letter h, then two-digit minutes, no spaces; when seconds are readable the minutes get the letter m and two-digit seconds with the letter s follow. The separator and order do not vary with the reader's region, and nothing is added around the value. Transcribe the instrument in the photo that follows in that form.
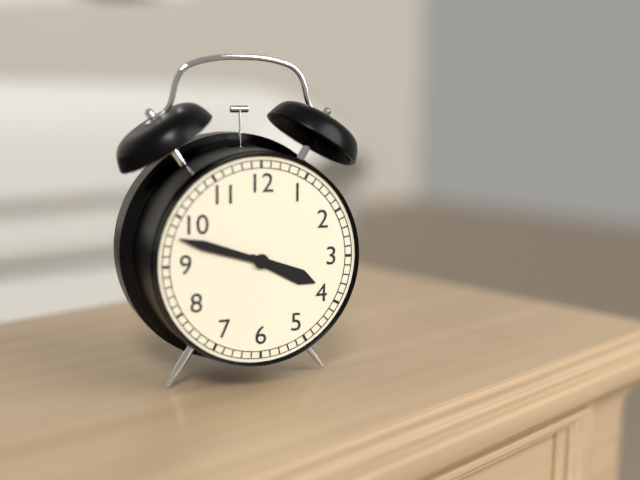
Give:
3h48
